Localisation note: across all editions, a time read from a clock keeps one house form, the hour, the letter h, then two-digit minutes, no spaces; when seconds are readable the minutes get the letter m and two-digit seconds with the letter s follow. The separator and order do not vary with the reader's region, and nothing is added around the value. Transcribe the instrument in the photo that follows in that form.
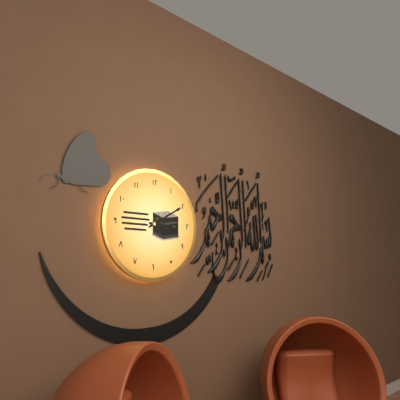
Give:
3h10
